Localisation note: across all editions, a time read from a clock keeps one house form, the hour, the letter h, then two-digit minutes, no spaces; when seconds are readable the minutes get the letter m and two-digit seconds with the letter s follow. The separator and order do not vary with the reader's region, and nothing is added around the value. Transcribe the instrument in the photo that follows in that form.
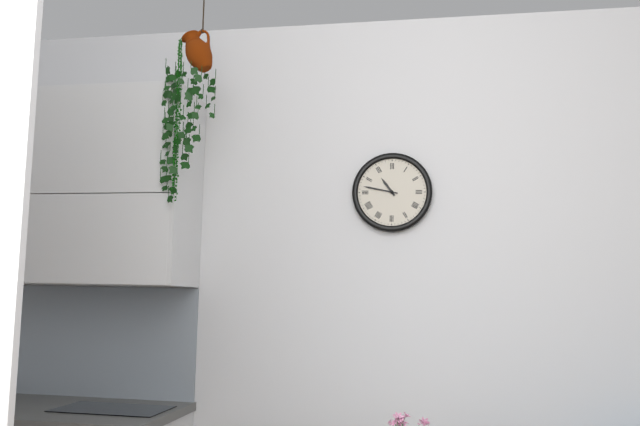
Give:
10h47
